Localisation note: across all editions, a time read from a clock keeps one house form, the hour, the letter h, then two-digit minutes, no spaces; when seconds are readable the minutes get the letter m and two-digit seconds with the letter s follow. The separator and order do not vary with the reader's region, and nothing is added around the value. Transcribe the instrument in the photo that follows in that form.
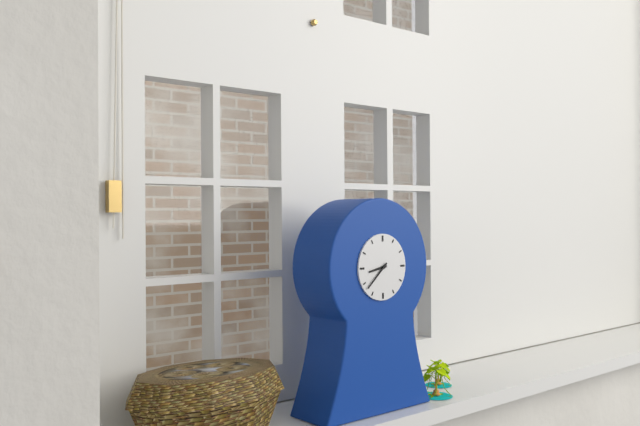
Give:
8h38
